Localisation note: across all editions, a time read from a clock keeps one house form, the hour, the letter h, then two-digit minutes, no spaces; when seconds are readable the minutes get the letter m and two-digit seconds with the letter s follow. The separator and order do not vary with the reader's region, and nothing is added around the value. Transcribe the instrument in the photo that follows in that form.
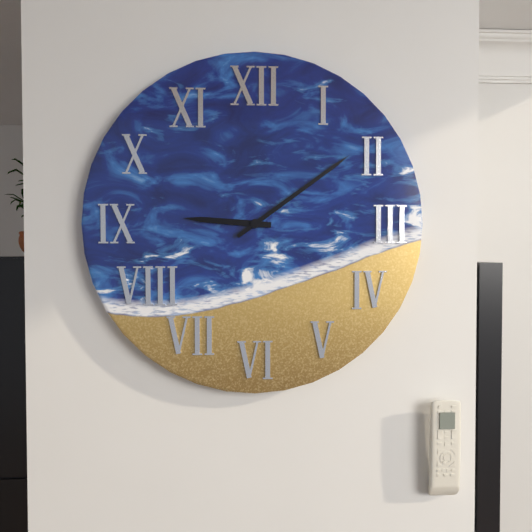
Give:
9h09
